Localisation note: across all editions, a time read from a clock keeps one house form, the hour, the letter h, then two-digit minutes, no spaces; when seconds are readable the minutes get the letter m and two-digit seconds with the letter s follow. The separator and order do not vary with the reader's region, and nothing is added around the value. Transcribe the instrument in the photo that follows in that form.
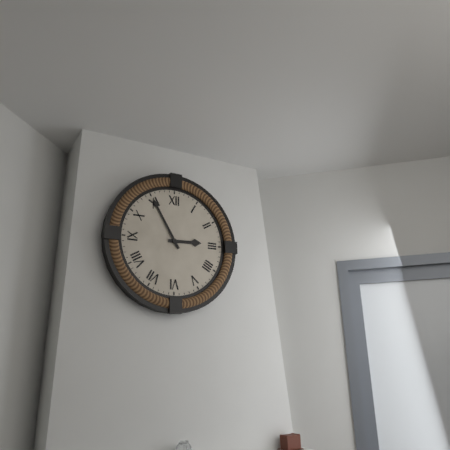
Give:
2h55
